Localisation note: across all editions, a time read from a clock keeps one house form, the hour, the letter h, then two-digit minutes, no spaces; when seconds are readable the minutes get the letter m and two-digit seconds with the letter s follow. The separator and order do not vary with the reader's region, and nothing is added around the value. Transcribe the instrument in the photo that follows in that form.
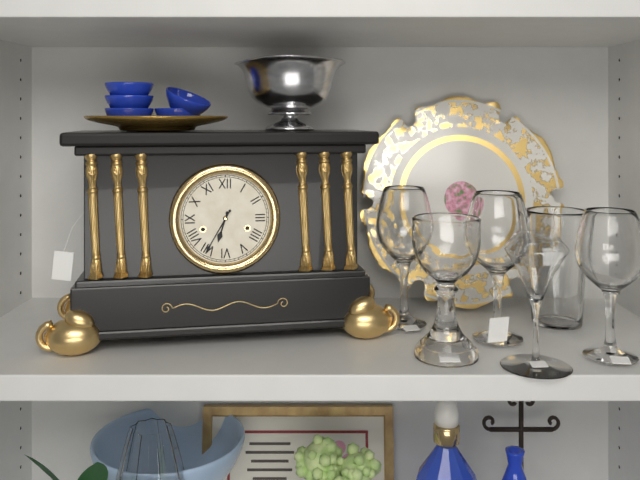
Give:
6h35
